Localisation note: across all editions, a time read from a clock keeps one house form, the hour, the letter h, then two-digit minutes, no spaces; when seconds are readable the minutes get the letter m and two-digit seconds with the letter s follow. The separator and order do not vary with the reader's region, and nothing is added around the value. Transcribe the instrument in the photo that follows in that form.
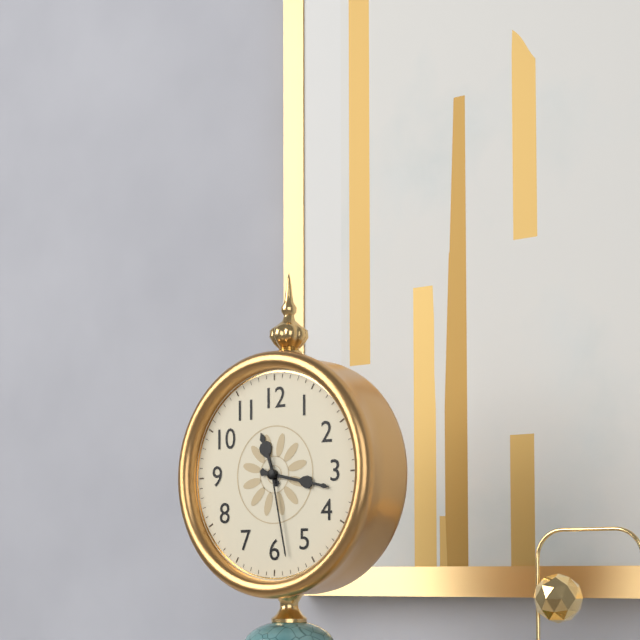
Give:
11h17m28s
